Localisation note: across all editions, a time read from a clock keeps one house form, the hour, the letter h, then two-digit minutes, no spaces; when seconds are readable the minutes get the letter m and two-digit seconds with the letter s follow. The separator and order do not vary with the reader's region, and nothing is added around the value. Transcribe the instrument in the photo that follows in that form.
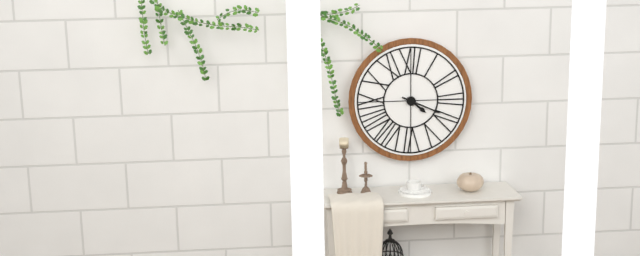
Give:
4h19
